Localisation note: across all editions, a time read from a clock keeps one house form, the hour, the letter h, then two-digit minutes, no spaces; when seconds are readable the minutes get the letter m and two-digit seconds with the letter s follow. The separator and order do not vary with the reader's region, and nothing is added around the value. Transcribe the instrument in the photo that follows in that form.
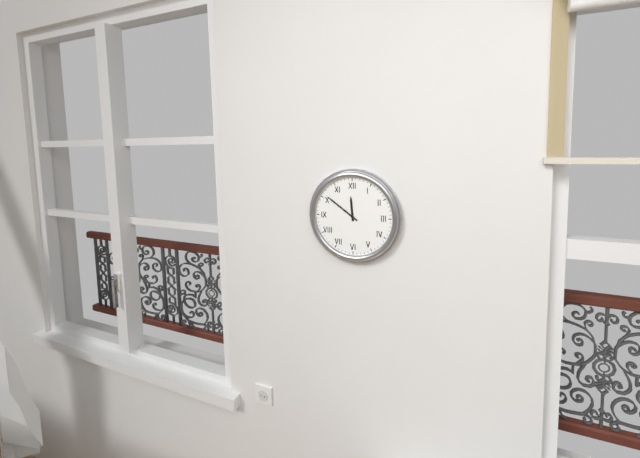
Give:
11h51
